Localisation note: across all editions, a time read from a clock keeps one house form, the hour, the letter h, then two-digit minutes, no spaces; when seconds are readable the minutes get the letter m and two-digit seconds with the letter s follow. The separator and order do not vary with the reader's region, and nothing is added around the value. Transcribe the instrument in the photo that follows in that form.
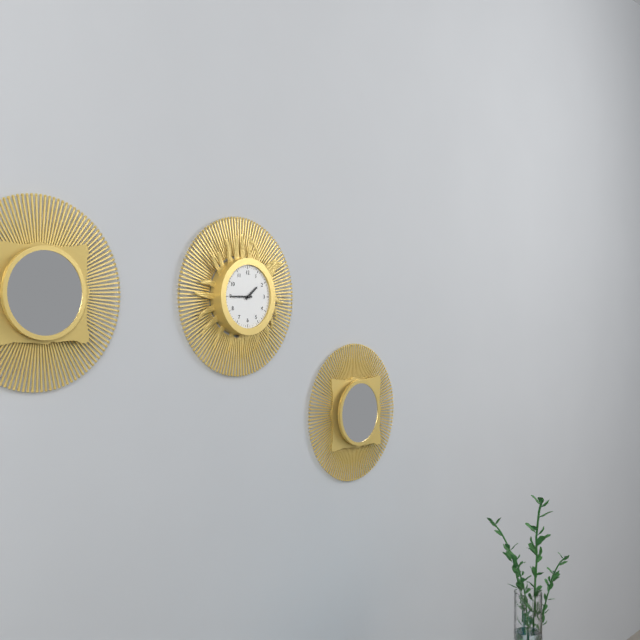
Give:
1h45
